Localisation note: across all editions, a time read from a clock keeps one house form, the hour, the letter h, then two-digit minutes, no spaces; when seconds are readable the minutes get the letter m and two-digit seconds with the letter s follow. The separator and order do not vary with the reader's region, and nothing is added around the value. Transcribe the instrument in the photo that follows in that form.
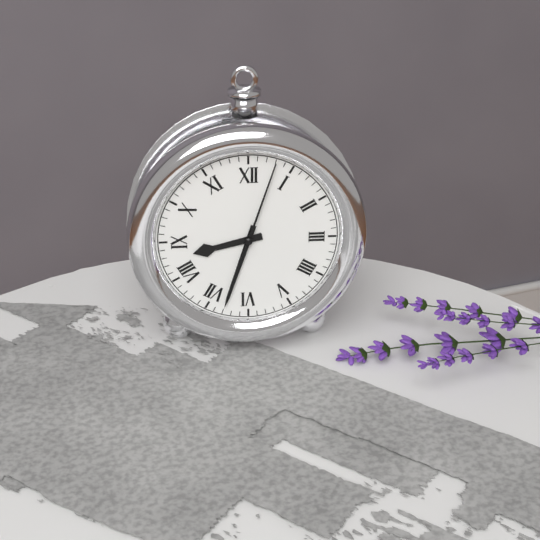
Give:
8h33m03s
